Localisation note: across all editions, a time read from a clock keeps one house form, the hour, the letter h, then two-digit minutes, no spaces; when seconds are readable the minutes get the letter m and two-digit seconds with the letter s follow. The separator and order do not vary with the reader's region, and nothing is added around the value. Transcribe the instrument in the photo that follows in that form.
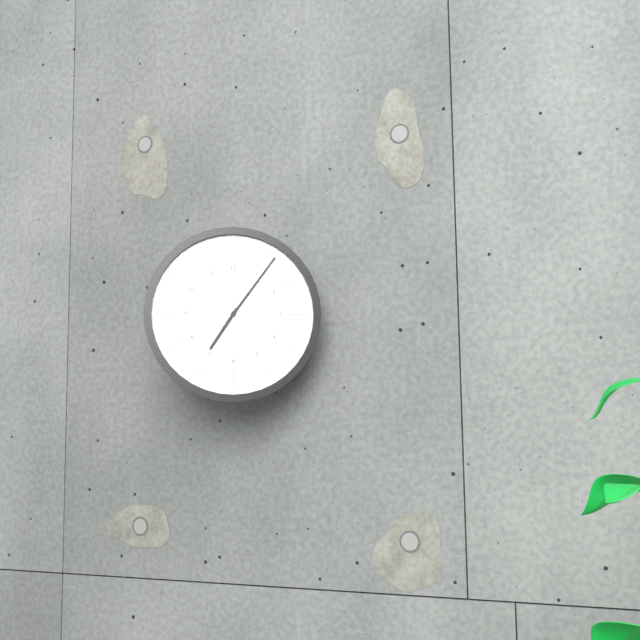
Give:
7h06
